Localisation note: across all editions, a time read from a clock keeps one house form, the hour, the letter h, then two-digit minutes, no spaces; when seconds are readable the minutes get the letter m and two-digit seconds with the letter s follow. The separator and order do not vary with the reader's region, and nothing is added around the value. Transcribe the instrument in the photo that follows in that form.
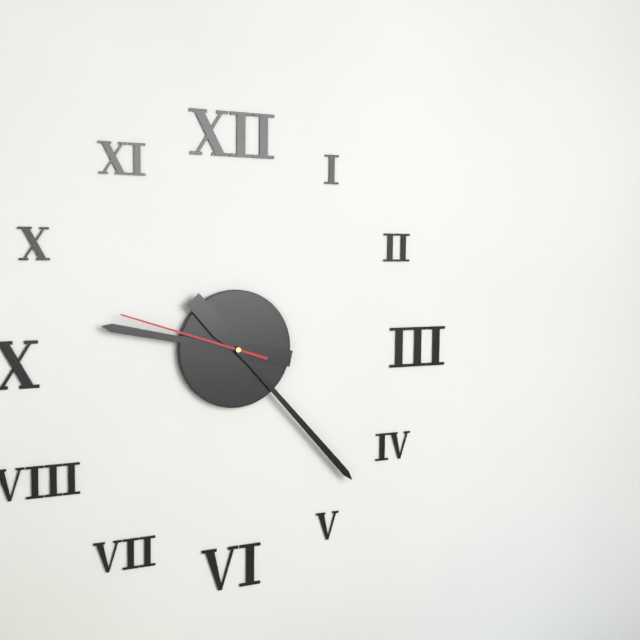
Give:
9h23m48s
